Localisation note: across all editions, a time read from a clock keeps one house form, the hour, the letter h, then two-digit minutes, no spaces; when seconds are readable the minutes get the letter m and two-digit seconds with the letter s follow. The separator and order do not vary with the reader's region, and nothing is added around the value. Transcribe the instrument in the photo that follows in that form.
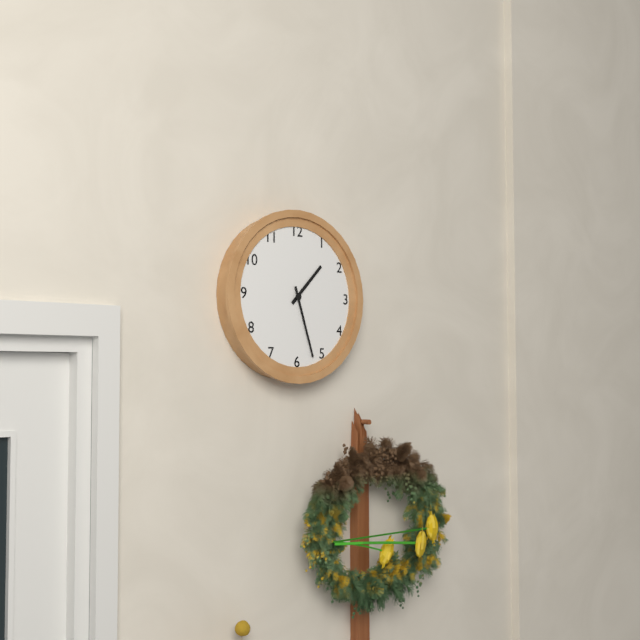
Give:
1h27
